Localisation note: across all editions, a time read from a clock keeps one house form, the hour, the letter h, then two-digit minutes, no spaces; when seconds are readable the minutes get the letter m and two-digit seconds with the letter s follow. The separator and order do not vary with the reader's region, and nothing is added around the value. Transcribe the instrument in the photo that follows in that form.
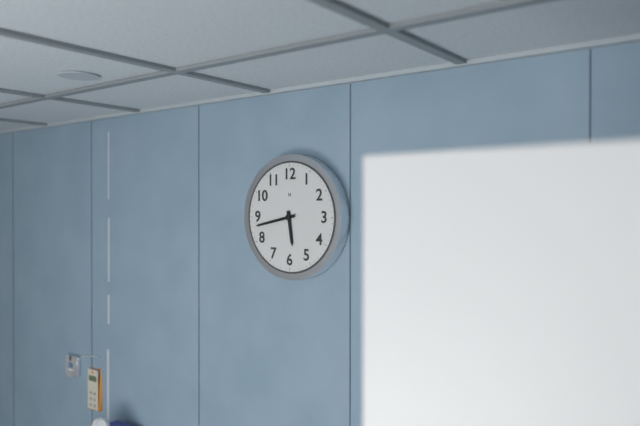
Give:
5h43
